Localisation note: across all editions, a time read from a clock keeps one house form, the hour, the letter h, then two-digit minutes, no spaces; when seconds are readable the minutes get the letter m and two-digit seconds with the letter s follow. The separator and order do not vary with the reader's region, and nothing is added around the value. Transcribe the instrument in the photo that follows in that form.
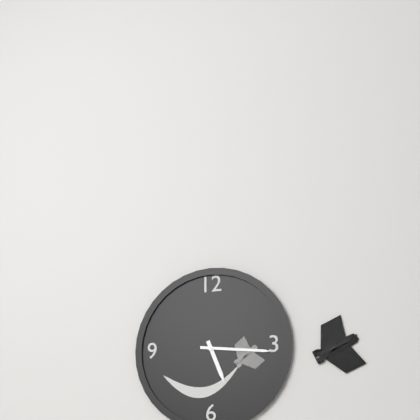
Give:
5h16
